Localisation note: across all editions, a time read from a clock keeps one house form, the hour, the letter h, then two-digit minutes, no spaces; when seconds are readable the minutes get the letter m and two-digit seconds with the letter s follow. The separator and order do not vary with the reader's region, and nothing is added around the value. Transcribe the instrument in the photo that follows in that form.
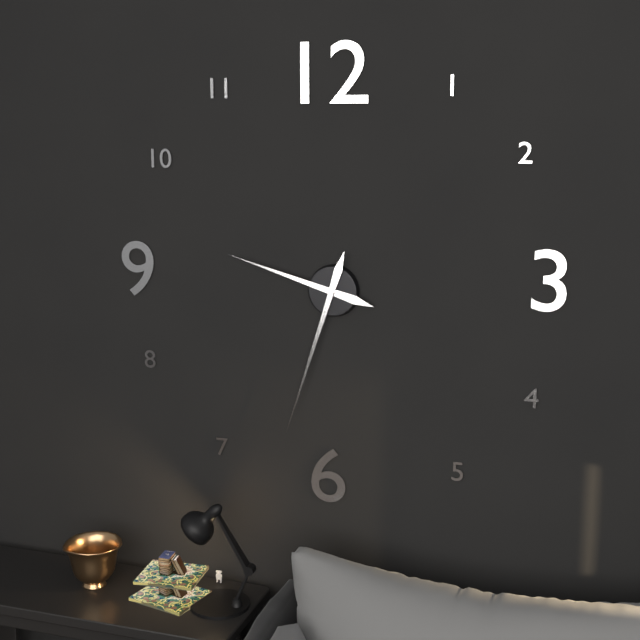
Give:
9h33
